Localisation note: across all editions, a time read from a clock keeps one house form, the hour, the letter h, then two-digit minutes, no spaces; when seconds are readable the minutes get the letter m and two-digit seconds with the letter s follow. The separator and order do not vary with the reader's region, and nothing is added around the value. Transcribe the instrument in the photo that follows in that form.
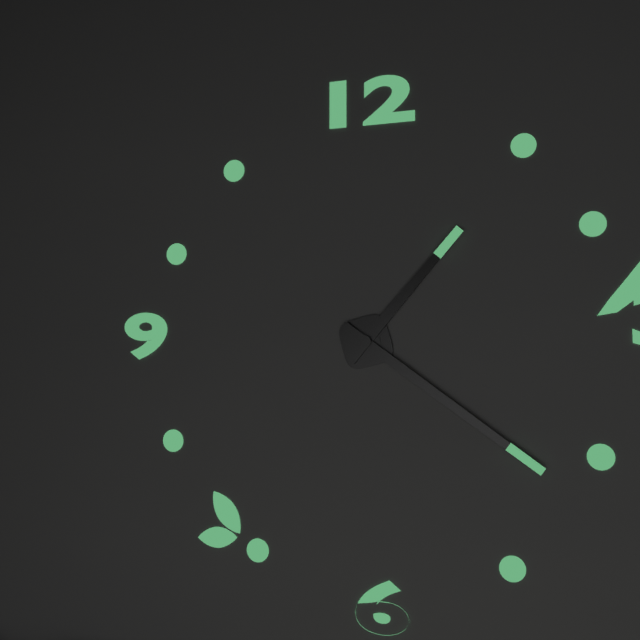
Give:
1h21
